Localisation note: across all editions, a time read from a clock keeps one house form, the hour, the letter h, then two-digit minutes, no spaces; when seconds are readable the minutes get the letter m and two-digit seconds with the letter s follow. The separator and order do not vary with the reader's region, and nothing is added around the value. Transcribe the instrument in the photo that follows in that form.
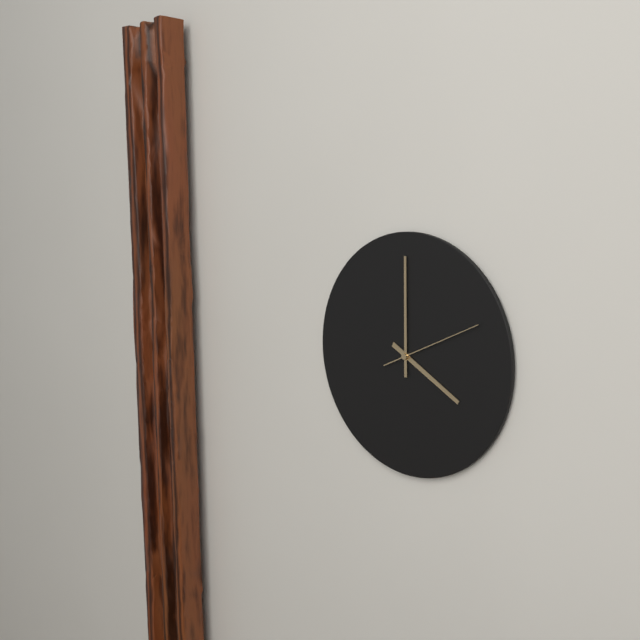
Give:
4h00m11s
